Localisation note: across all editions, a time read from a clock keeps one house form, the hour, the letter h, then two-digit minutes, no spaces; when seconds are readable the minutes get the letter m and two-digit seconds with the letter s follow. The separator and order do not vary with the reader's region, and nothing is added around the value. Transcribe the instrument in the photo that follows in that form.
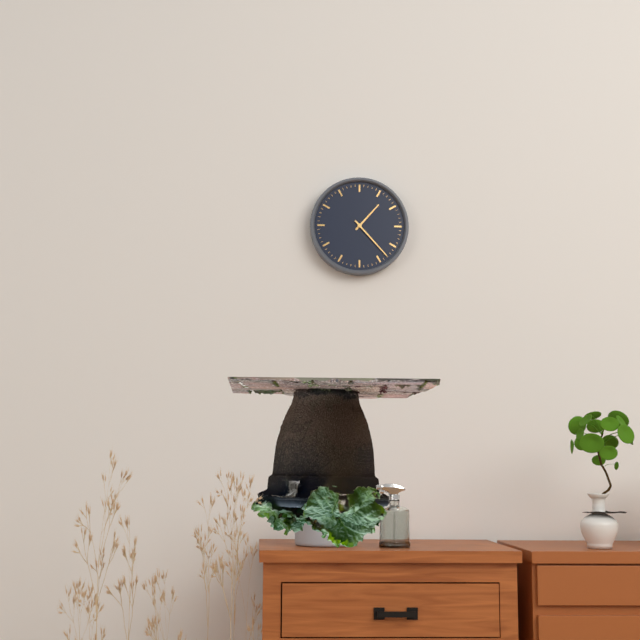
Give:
1h23
